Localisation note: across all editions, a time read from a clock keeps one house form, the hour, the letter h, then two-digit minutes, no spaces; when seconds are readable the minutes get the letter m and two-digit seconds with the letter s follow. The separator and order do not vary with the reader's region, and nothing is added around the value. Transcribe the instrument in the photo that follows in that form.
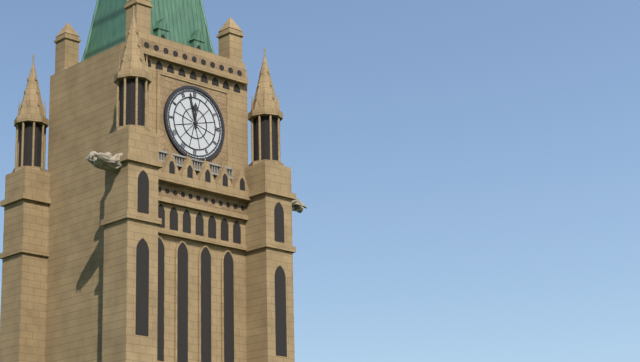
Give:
11h58
